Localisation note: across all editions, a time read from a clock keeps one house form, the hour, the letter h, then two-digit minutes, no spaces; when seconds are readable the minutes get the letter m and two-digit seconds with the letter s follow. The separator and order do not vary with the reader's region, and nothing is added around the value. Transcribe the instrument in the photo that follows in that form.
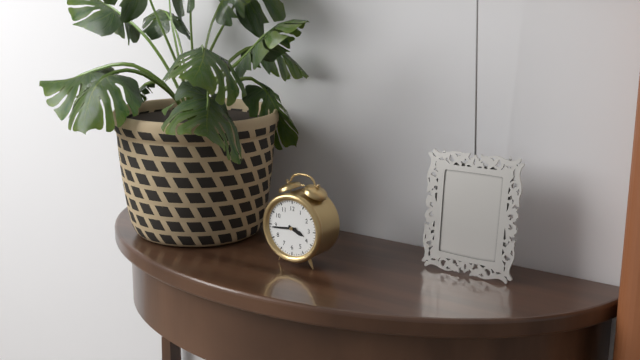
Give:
3h44
